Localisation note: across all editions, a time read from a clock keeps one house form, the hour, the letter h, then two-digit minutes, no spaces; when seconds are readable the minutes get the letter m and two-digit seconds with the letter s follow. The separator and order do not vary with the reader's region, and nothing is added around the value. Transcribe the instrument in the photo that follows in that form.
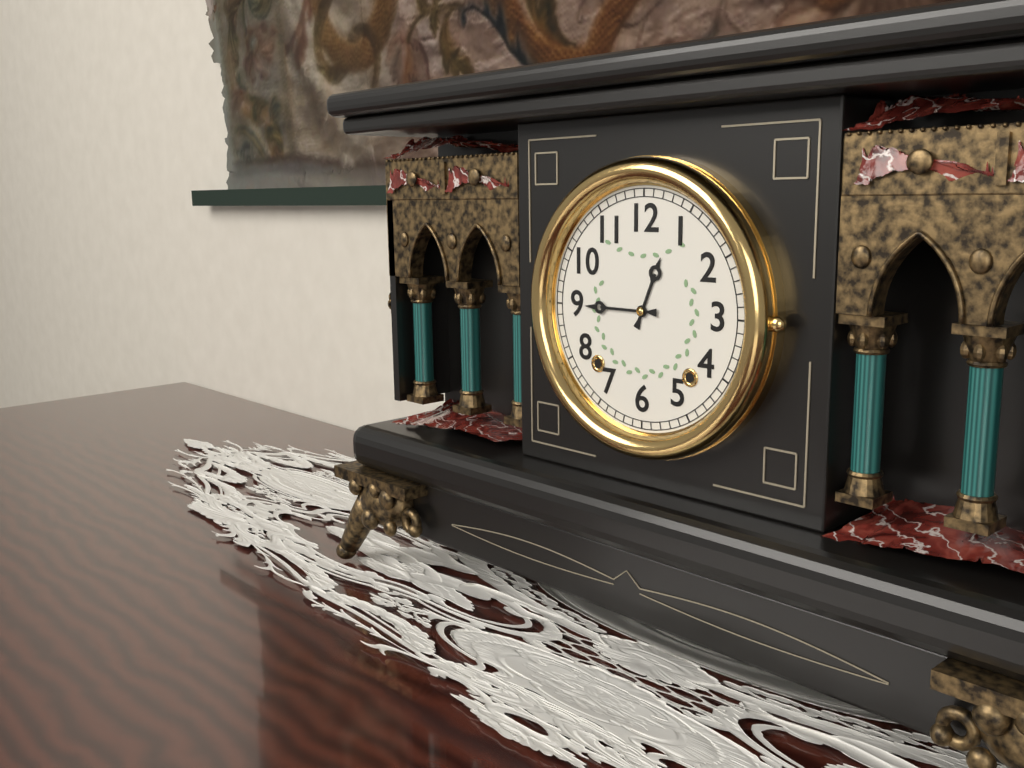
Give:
12h45
